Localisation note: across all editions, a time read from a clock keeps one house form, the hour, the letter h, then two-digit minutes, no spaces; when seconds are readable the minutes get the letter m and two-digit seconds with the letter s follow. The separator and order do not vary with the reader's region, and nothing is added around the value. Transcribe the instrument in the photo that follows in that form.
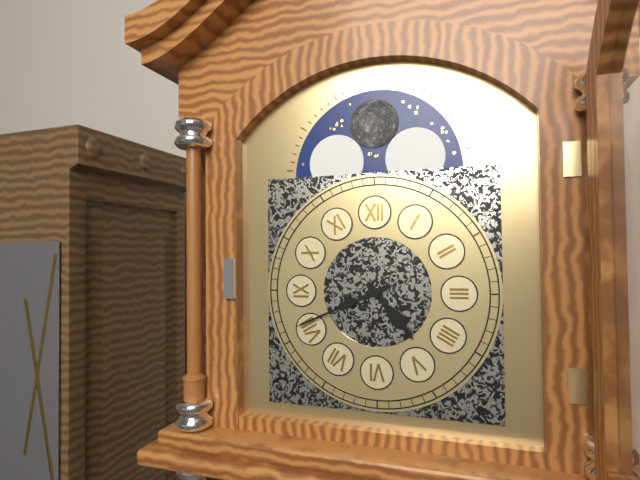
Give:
4h41
